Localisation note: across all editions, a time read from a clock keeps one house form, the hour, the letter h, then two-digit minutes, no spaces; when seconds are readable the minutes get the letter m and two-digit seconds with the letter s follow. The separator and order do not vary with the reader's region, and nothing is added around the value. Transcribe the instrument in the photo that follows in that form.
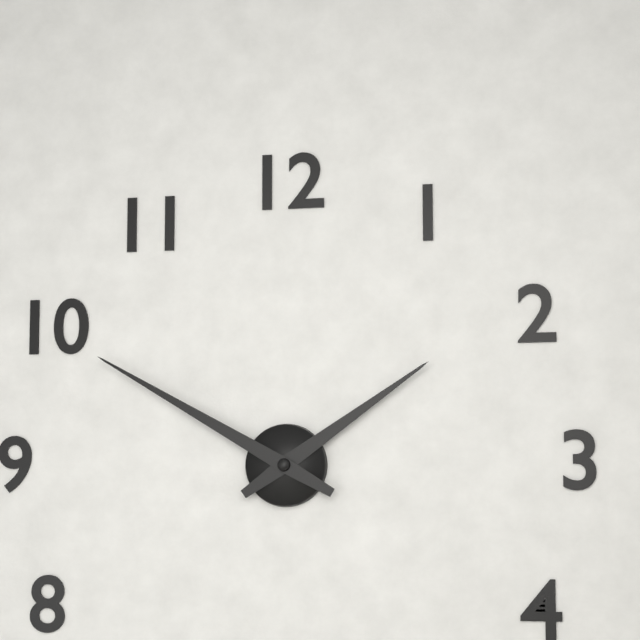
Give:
1h50
